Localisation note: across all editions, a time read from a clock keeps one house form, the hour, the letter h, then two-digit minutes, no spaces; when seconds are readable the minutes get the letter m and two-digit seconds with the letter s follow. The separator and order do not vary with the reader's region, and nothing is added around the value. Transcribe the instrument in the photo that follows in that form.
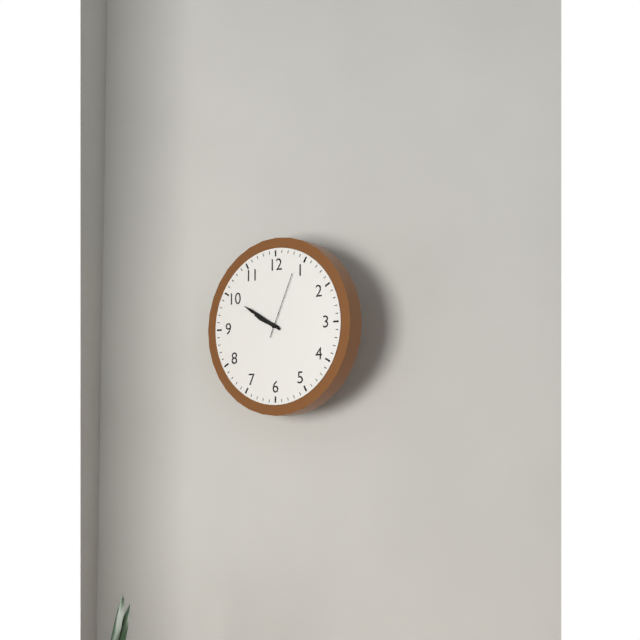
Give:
9h50m04s
